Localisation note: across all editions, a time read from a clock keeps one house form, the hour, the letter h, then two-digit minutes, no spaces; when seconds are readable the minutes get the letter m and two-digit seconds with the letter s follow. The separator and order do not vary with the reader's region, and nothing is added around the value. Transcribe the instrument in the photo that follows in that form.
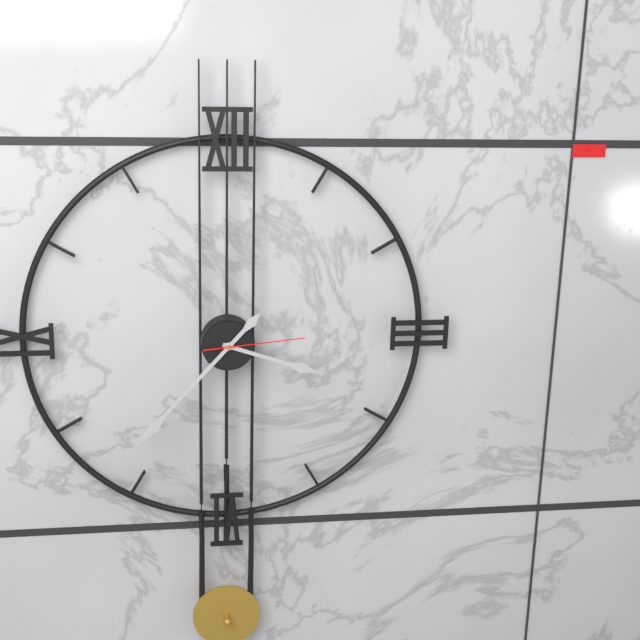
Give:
3h37m14s
